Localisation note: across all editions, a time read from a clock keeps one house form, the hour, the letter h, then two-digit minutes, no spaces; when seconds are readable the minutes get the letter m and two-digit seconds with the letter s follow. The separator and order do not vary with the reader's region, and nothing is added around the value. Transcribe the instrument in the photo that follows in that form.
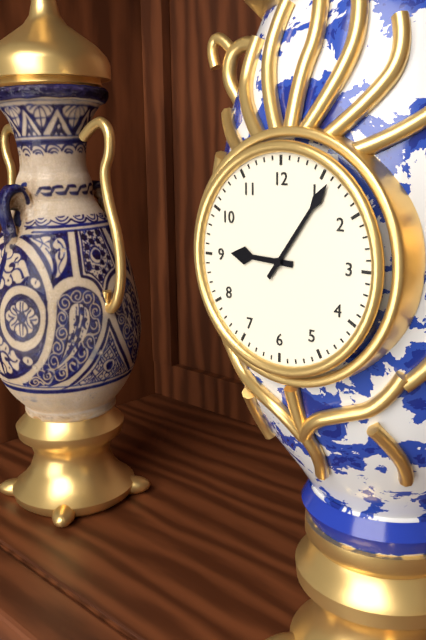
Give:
9h06
